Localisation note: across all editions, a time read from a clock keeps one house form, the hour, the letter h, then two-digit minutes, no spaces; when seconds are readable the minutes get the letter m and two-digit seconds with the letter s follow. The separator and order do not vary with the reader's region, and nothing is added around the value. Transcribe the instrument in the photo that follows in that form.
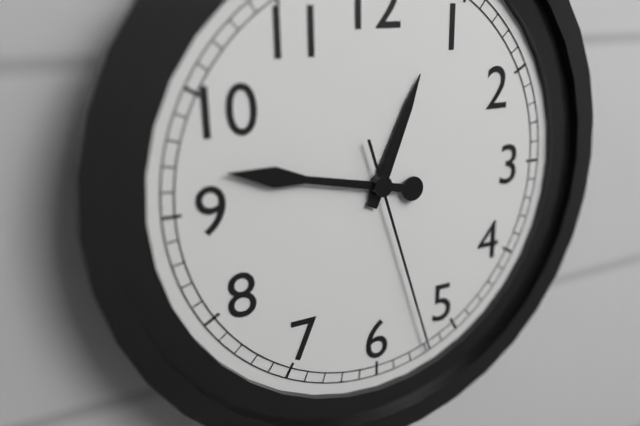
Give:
12h47m27s
